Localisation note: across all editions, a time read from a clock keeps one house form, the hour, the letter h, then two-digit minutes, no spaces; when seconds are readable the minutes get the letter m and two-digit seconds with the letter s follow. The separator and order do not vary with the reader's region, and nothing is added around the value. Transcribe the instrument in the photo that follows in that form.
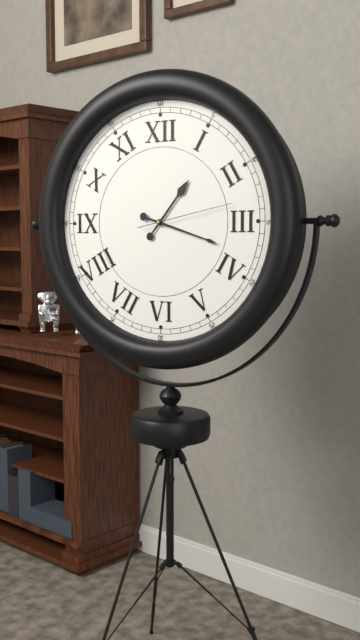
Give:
1h18m13s
